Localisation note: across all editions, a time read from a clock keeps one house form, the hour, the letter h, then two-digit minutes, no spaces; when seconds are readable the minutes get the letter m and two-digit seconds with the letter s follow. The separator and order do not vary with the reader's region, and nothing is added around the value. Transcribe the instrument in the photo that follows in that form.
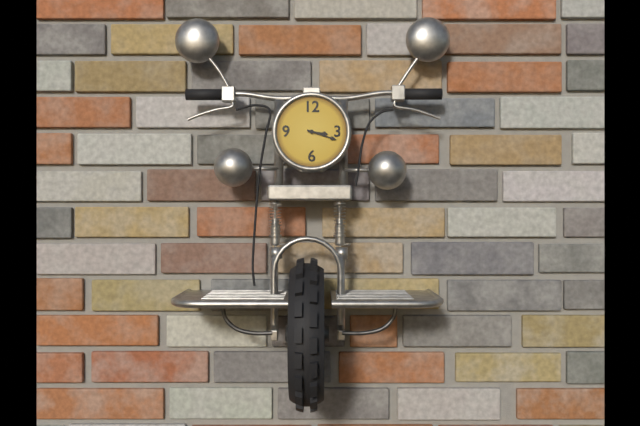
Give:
3h18
